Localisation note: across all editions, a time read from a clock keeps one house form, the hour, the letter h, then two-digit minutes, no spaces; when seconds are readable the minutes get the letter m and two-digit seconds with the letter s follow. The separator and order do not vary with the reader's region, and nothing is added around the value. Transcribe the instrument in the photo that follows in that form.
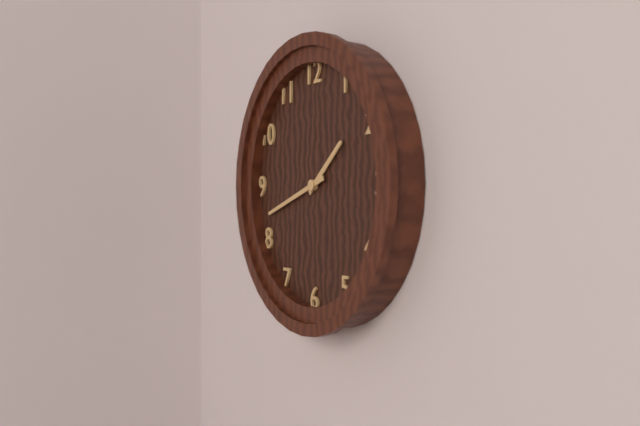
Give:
1h42
